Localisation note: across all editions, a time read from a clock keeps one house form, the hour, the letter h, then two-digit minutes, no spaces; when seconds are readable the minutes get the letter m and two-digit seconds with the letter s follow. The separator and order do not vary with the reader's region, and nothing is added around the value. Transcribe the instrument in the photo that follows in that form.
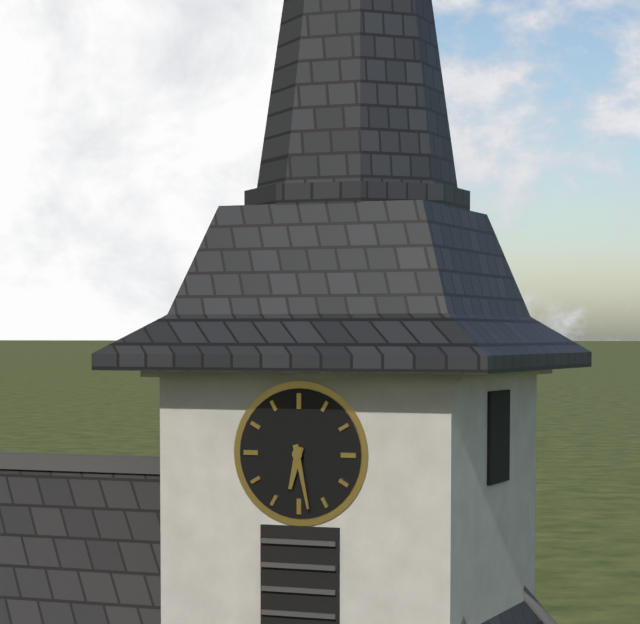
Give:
6h28
